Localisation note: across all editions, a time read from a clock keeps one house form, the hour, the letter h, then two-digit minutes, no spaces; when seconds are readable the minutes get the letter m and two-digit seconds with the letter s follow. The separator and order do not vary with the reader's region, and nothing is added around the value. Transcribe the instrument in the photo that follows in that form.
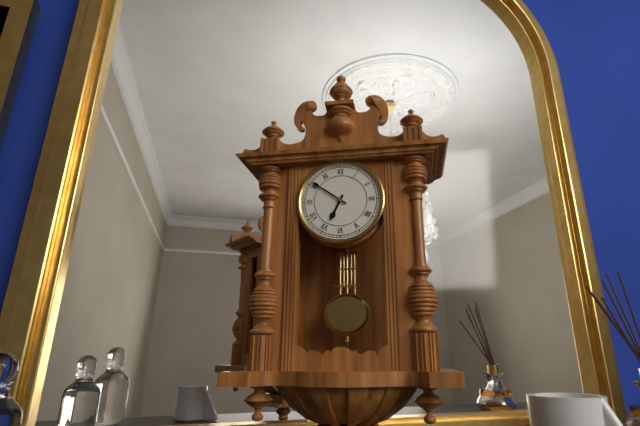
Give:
6h51
